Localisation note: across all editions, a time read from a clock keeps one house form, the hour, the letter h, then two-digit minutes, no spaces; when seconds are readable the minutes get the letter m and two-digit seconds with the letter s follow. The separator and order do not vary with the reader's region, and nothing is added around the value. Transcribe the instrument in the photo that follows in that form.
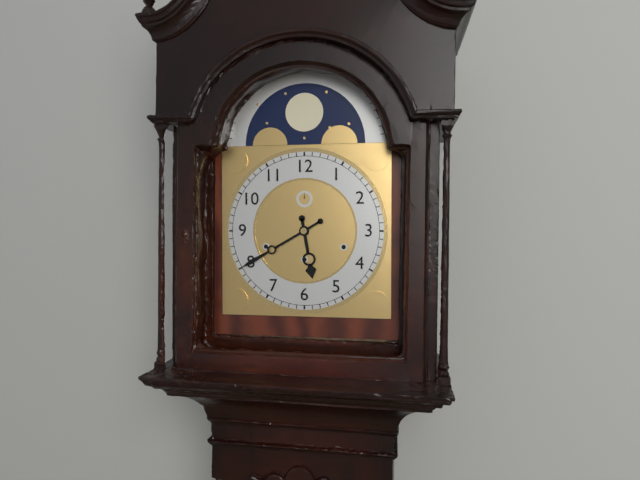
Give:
5h40
